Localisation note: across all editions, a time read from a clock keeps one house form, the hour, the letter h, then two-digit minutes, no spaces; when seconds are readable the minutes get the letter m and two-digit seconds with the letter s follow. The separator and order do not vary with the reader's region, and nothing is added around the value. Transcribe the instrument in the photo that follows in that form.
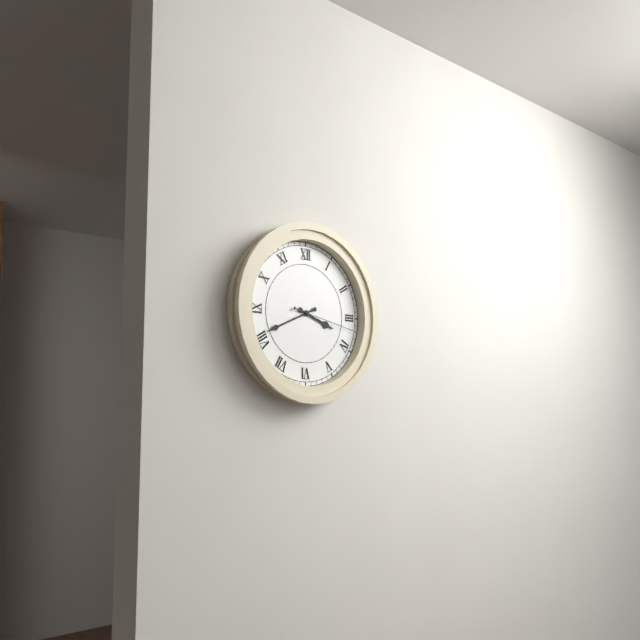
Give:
3h41m17s
